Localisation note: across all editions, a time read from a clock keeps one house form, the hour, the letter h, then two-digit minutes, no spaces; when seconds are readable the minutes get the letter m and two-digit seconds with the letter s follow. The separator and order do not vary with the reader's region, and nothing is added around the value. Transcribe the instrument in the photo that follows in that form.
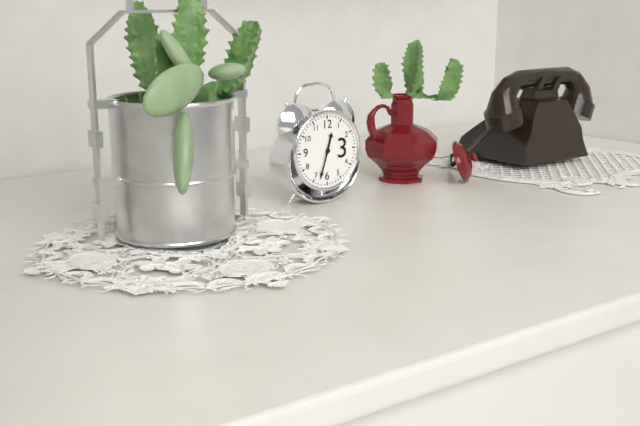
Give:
12h33
